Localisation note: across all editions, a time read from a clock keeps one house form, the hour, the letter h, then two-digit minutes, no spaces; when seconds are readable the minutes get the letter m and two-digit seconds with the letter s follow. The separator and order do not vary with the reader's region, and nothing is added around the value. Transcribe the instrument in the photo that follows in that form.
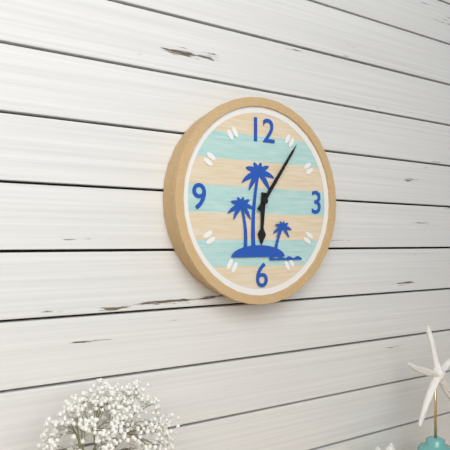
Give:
6h06
